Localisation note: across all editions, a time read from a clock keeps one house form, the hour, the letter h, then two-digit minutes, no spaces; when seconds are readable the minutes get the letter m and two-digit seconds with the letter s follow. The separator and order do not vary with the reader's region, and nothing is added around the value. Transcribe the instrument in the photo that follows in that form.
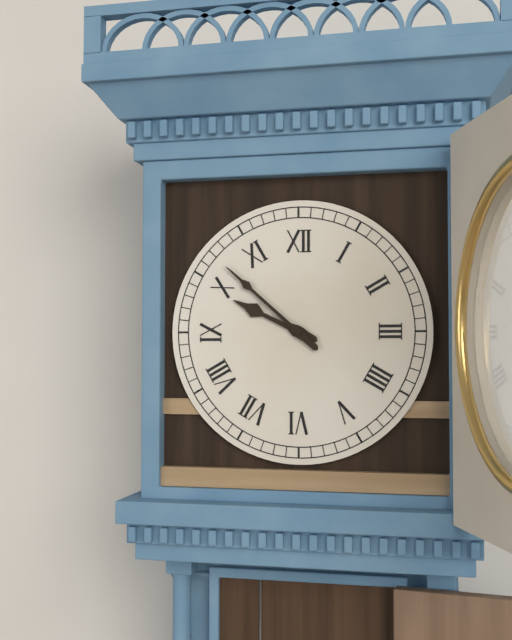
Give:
9h52
